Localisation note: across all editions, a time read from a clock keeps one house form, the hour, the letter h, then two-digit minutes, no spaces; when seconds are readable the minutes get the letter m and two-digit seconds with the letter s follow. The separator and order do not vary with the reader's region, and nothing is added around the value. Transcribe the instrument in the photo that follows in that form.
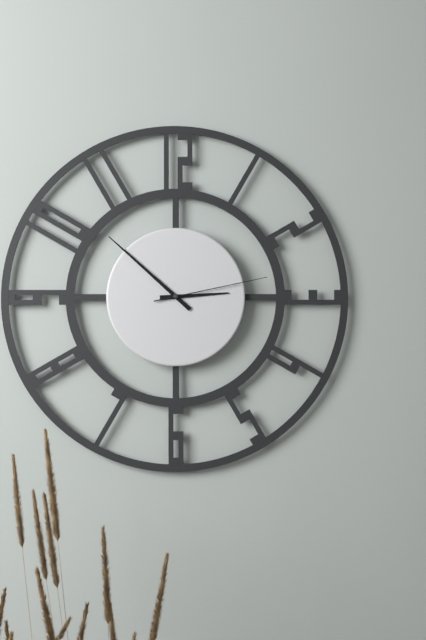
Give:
2h52m13s
